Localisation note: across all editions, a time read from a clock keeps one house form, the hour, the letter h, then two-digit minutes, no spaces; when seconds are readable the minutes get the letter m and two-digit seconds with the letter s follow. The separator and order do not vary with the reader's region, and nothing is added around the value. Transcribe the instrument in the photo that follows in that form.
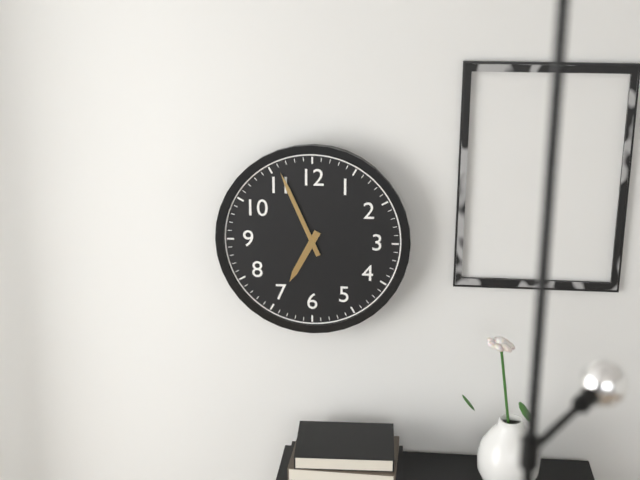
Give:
6h56
